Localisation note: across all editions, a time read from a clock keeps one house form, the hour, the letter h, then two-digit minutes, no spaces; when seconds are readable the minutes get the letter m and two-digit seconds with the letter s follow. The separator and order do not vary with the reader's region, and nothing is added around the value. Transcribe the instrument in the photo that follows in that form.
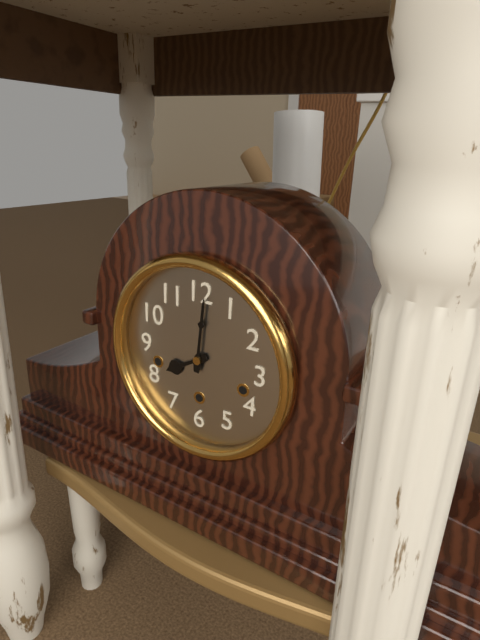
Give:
8h01
